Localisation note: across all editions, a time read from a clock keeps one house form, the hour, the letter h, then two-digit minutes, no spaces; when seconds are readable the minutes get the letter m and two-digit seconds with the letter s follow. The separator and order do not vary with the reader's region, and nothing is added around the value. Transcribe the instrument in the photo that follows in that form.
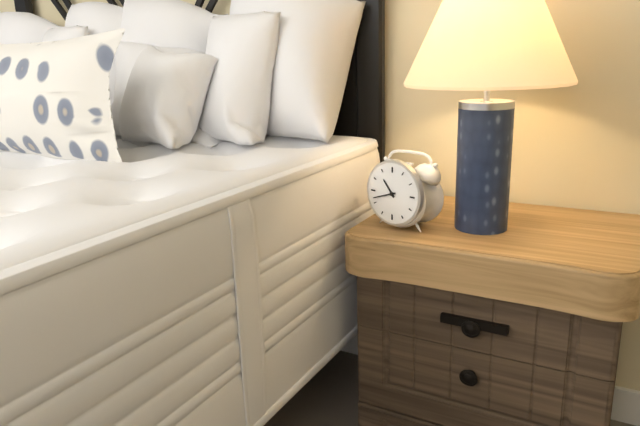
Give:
10h42
